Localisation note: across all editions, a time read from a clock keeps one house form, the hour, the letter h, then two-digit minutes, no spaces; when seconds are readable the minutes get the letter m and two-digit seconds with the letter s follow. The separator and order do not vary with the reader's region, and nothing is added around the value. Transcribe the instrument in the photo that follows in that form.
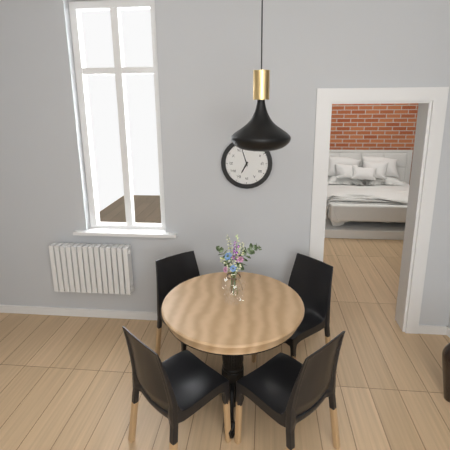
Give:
6h57
